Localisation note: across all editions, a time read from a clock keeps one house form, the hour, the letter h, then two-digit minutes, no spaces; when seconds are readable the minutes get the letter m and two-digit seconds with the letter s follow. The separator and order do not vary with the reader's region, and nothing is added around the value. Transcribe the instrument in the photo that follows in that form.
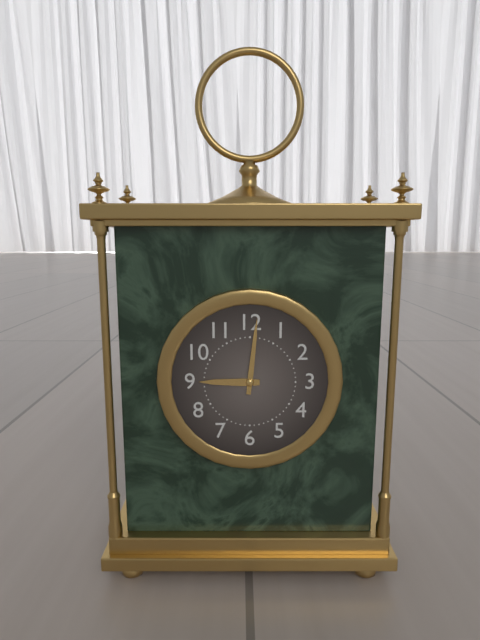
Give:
9h01
